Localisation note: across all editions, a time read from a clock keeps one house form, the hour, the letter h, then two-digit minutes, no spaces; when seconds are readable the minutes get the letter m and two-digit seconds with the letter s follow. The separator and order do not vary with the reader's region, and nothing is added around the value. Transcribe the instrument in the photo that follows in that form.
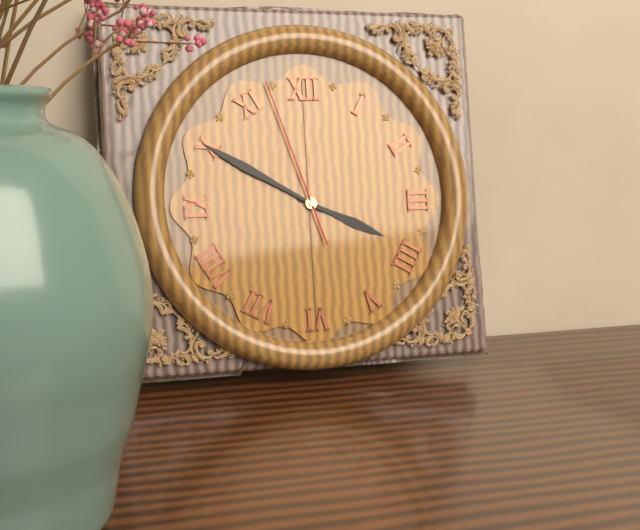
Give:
3h50m57s
